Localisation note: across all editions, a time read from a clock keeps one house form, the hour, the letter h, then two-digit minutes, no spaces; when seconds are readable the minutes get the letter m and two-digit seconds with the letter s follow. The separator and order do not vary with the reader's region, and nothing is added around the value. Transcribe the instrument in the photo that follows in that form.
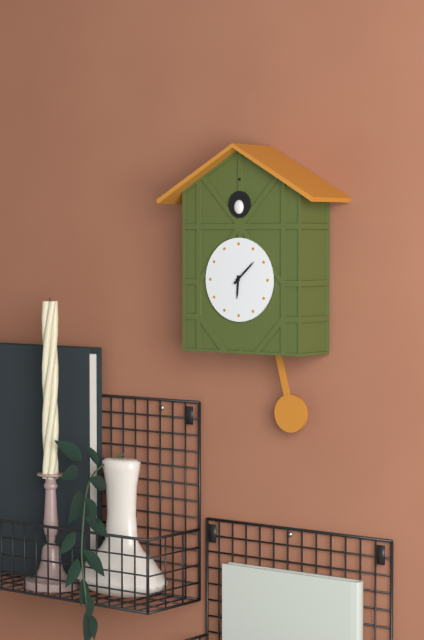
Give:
6h08
